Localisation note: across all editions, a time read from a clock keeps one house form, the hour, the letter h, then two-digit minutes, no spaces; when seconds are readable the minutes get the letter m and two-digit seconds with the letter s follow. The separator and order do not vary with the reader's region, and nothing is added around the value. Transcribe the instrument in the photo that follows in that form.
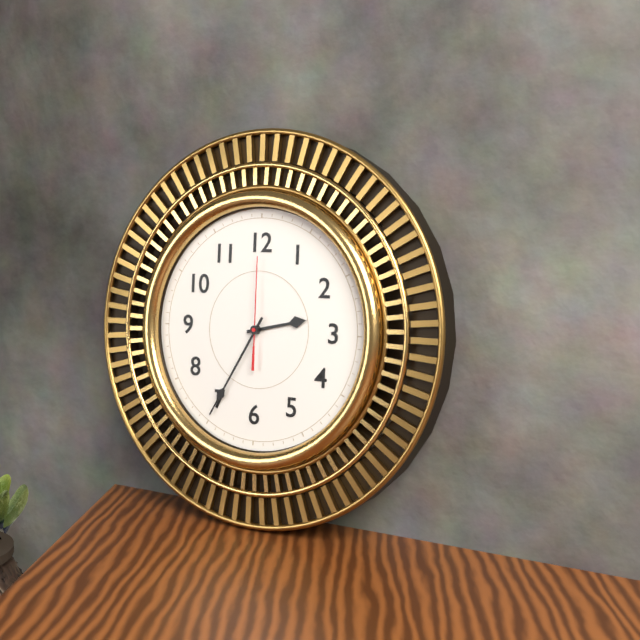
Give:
2h35m00s
